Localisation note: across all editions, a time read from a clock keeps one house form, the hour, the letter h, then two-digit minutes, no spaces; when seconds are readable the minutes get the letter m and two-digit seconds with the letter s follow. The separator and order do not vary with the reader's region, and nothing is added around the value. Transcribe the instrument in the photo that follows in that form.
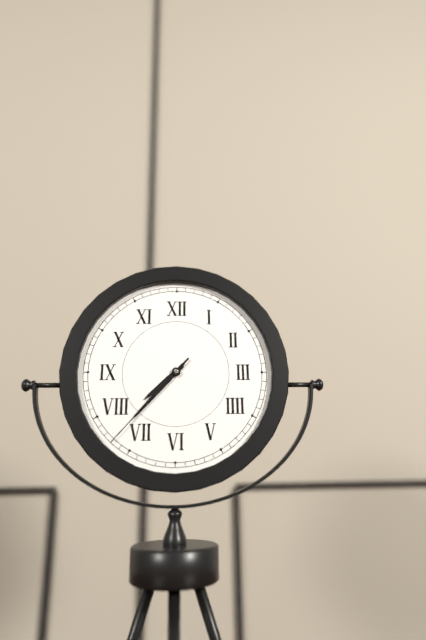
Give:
7h37m37s
